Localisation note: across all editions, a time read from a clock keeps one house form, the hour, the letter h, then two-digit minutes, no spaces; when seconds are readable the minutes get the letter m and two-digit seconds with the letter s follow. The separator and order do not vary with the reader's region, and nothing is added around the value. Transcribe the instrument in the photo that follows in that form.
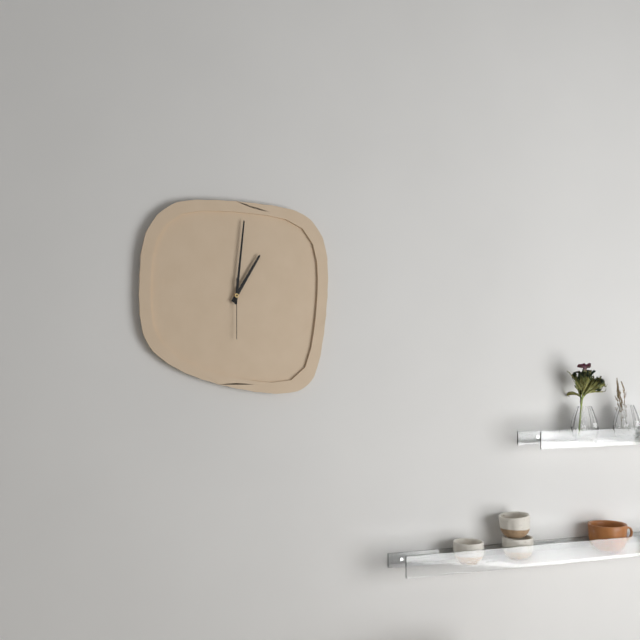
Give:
1h01m30s
